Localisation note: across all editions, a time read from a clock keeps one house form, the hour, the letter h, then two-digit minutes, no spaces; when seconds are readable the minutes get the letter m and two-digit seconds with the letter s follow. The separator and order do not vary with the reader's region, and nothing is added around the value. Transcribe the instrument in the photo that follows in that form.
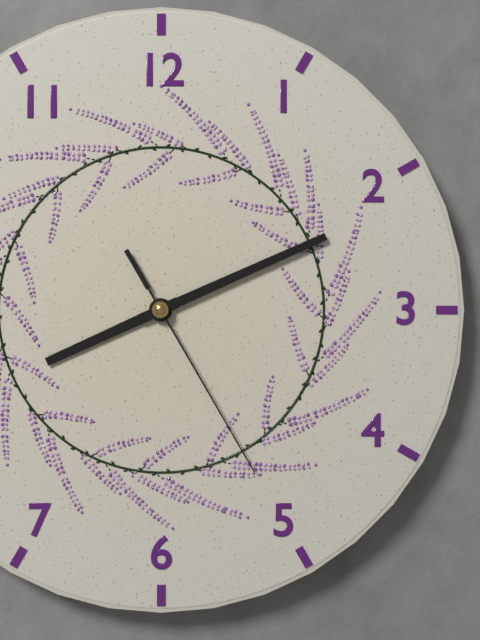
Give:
8h11m25s
